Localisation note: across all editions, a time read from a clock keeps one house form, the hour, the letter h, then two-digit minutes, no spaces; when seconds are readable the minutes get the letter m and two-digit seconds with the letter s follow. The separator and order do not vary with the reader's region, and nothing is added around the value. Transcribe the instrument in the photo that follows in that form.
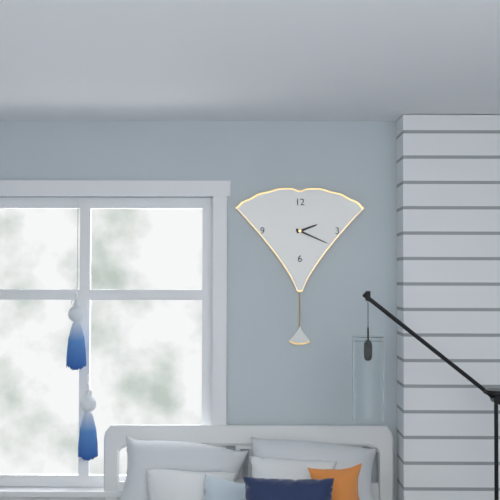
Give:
2h19
